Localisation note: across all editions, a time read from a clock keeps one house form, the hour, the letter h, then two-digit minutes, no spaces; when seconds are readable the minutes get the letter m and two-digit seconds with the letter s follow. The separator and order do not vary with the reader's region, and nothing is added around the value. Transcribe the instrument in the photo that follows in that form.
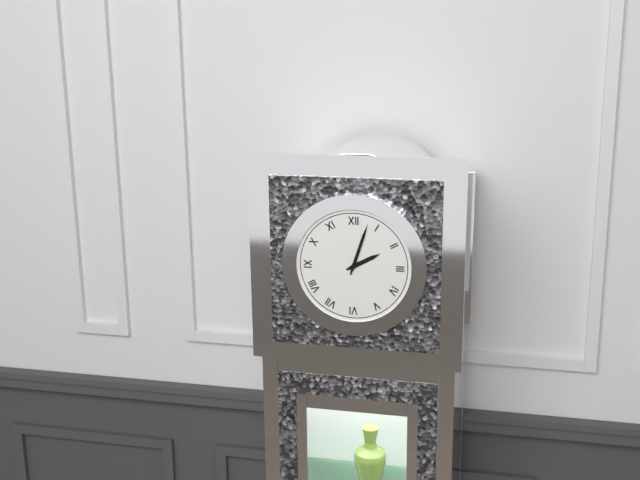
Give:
2h03
